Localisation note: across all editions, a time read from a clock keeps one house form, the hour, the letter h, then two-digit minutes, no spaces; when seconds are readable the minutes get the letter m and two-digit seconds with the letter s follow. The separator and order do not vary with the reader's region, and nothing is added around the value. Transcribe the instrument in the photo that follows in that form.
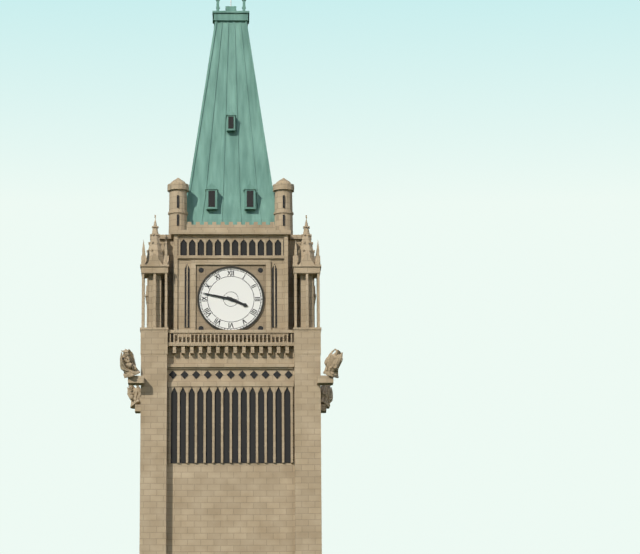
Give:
3h47
